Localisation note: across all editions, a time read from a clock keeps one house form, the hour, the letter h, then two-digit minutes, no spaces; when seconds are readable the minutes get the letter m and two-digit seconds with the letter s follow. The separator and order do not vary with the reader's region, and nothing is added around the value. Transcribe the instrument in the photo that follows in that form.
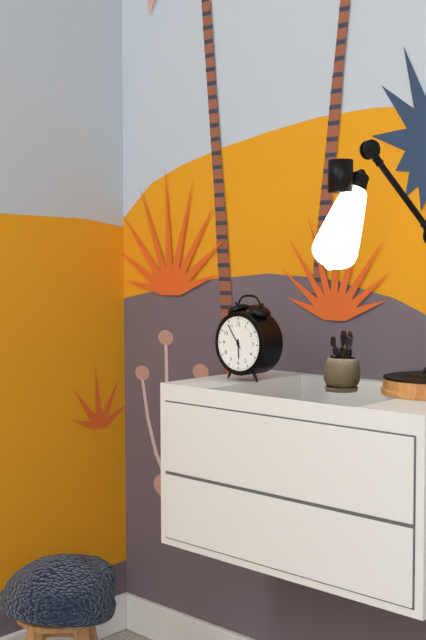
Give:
5h54
